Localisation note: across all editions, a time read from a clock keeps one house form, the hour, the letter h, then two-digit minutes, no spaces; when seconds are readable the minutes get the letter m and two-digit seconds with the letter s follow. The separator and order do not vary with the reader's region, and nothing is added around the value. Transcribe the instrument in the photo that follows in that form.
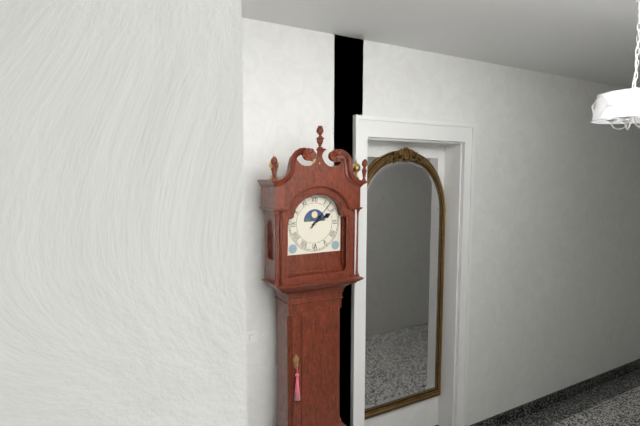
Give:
2h07
